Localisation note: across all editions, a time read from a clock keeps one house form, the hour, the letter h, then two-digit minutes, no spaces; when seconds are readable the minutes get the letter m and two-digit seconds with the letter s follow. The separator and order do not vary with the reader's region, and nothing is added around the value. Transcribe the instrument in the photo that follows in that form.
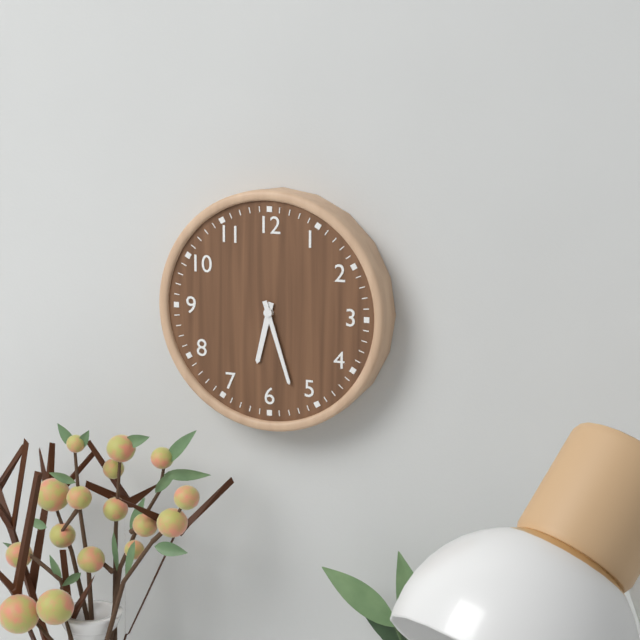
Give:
6h27
